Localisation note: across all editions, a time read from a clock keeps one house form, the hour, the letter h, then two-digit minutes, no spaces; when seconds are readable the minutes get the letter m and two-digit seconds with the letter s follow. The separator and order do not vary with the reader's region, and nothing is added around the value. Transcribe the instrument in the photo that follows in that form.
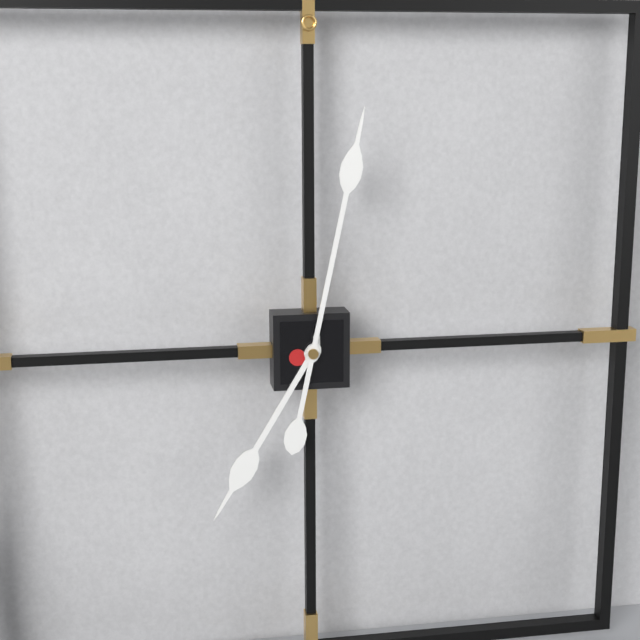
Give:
7h02
